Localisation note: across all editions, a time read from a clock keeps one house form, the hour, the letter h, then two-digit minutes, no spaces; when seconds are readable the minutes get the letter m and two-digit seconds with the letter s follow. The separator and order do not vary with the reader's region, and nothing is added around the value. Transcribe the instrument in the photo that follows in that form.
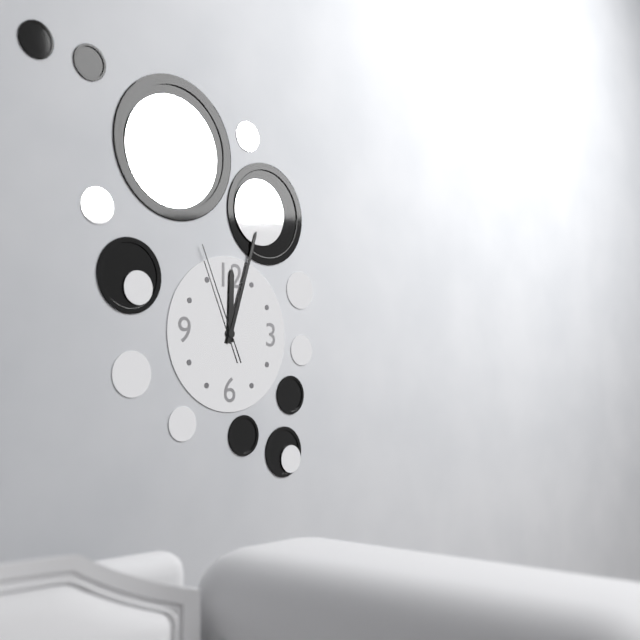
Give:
12h03m56s
